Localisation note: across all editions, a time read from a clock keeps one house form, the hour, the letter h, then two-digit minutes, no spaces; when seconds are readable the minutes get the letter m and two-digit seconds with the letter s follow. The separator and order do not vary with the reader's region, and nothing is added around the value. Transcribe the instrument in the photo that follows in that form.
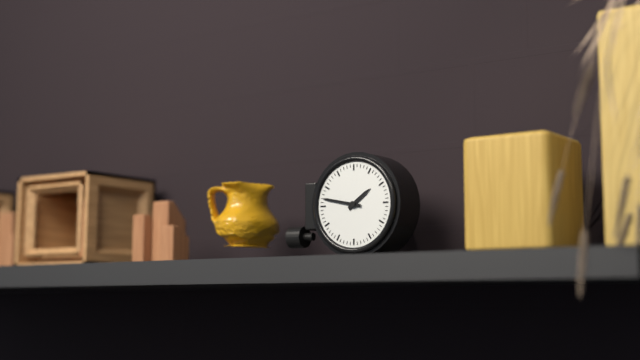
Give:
1h47
